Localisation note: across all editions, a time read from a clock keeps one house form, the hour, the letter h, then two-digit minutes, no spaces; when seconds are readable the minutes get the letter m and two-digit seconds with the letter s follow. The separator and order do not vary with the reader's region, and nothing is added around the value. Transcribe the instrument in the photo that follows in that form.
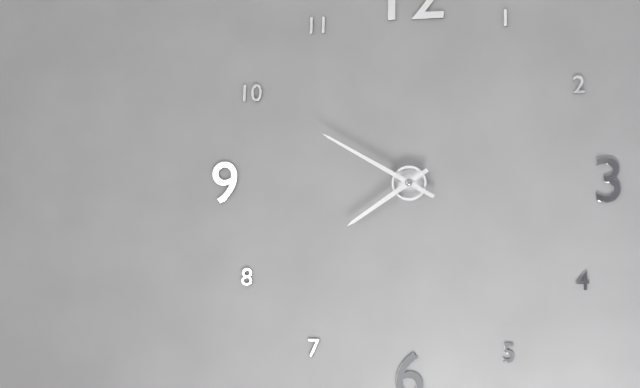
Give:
7h50
